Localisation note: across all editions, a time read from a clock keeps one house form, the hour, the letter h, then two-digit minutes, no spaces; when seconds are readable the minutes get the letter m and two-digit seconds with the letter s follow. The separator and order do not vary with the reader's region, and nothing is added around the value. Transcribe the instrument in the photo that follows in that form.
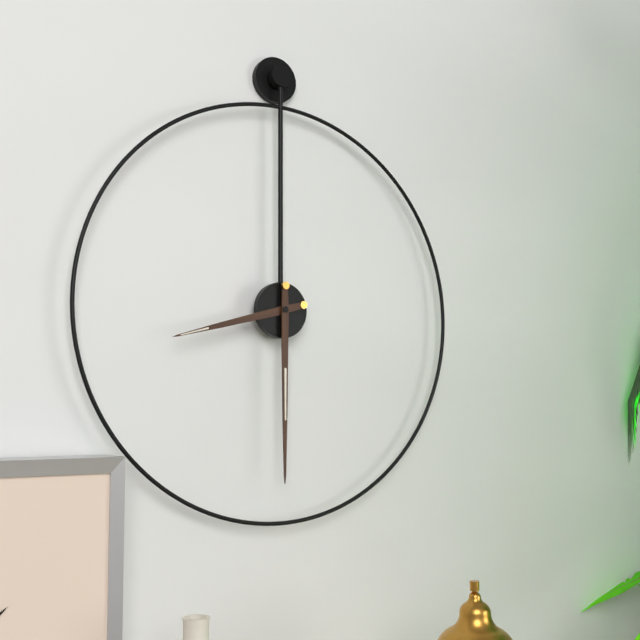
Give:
8h30
